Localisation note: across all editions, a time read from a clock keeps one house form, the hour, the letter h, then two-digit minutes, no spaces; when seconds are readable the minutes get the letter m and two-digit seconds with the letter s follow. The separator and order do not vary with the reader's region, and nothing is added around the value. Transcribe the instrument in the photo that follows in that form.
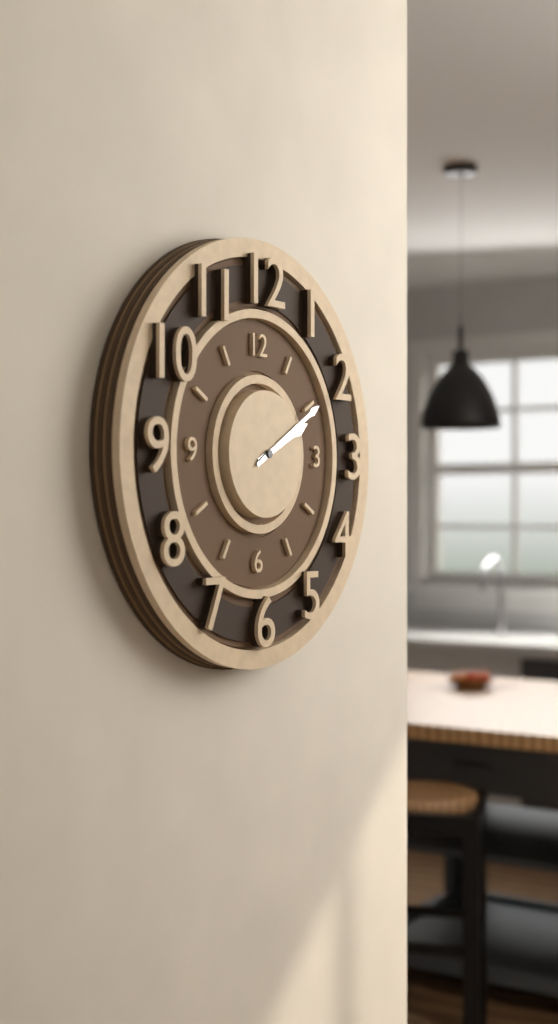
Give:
2h10
